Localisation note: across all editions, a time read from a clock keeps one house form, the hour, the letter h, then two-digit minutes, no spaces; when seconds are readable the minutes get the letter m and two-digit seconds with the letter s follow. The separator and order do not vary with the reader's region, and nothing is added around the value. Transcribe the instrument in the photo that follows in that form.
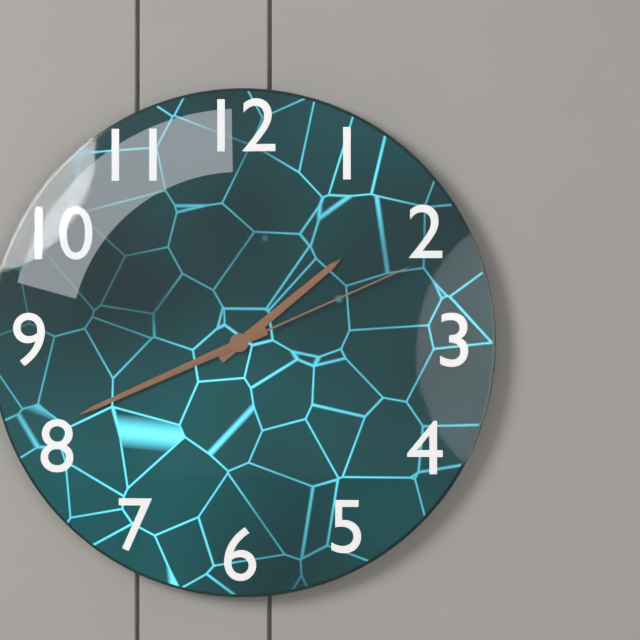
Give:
1h41m11s
